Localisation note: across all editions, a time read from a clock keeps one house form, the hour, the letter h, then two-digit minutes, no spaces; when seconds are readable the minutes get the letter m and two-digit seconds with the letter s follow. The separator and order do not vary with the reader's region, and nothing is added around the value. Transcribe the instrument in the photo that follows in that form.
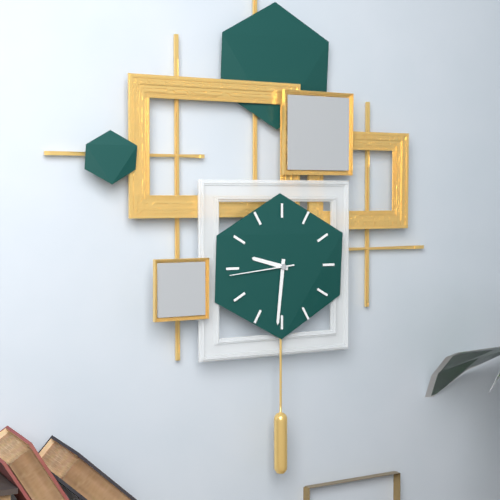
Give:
9h31
